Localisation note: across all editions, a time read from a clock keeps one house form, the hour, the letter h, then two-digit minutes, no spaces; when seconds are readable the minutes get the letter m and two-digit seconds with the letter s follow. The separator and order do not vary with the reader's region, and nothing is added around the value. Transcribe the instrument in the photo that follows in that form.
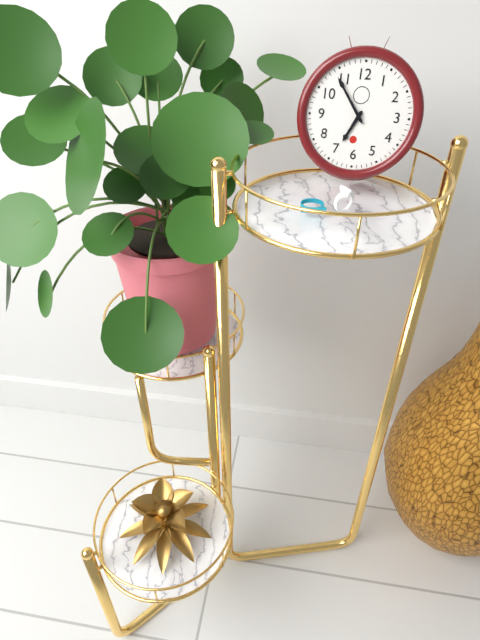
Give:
6h54
